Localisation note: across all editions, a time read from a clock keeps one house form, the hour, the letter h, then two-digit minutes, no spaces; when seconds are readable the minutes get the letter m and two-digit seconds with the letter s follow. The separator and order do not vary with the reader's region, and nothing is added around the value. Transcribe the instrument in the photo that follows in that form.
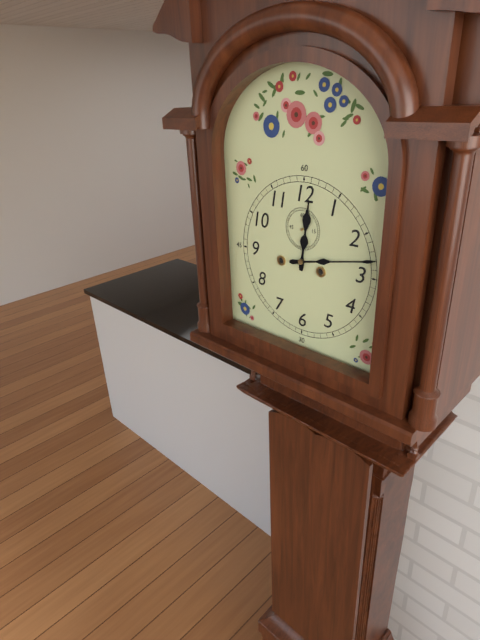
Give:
12h13
